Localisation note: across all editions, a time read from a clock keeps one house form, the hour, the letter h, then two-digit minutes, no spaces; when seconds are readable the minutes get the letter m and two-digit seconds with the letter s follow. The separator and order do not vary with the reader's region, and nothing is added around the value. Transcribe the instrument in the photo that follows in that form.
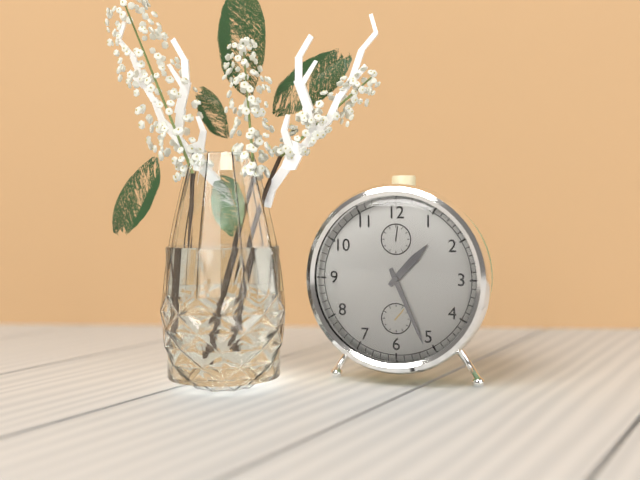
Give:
1h26
